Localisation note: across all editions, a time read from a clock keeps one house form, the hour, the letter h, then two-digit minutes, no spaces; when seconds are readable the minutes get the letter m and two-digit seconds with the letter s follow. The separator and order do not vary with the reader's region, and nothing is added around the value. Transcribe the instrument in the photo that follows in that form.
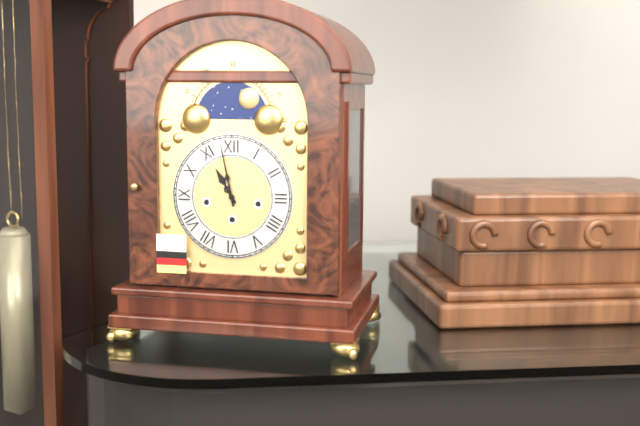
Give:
10h58
